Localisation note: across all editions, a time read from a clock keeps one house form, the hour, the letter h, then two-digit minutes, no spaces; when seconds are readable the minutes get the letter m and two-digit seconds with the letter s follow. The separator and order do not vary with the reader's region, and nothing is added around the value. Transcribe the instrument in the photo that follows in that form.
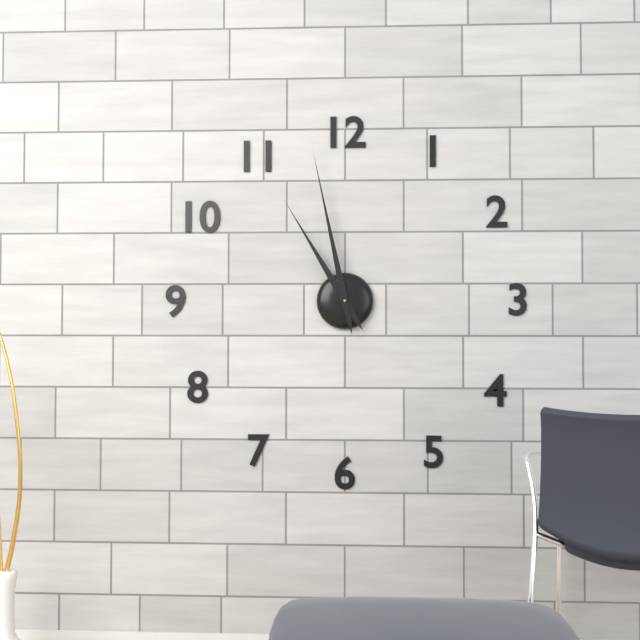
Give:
10h58
